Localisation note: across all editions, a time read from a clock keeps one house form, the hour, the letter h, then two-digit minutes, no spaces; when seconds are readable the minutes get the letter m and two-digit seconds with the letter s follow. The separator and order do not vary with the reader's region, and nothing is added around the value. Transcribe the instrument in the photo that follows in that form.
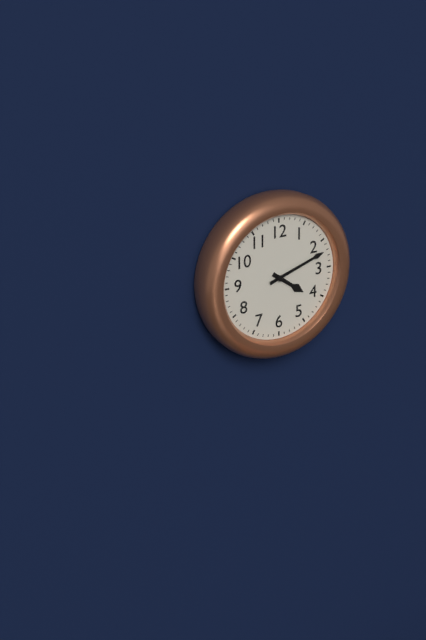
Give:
4h12
